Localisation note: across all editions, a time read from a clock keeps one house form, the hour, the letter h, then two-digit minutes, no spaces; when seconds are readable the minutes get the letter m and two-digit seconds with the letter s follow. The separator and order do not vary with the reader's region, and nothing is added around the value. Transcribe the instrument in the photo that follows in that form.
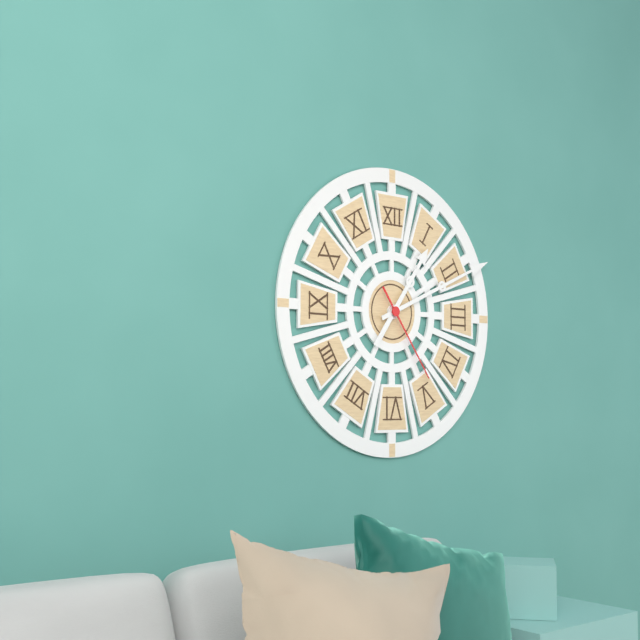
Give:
1h11m24s
